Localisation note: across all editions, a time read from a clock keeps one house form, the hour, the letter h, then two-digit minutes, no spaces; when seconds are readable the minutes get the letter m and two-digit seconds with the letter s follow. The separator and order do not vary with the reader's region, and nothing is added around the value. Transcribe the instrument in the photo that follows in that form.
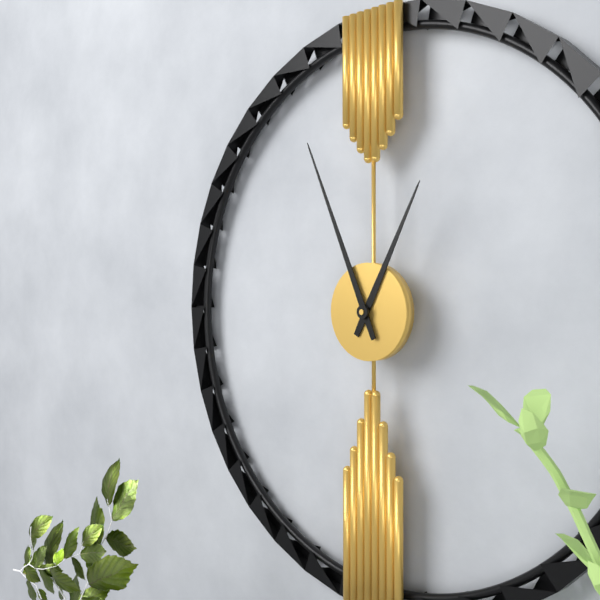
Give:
12h56
